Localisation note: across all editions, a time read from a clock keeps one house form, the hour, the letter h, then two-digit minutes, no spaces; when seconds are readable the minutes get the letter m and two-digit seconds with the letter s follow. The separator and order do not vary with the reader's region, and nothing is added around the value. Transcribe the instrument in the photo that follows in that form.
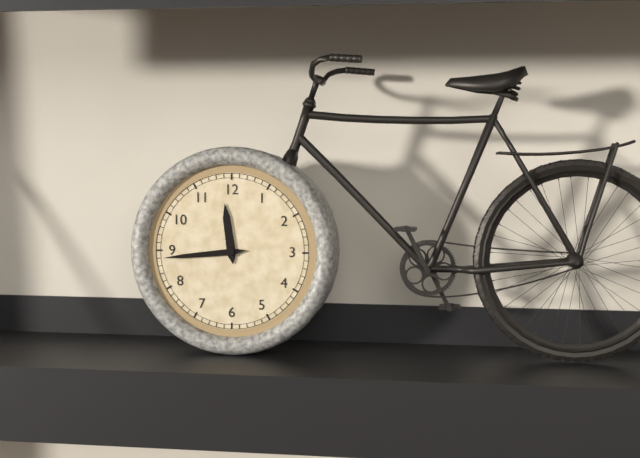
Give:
11h44
